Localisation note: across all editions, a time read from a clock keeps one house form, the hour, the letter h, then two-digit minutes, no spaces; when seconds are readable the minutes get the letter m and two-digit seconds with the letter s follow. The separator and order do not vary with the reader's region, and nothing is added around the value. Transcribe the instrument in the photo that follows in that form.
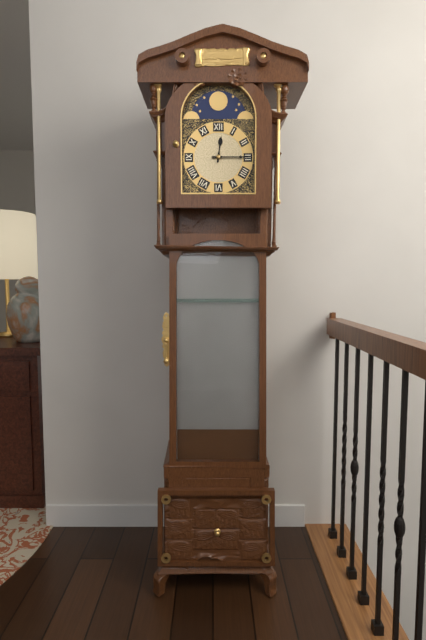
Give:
12h15
